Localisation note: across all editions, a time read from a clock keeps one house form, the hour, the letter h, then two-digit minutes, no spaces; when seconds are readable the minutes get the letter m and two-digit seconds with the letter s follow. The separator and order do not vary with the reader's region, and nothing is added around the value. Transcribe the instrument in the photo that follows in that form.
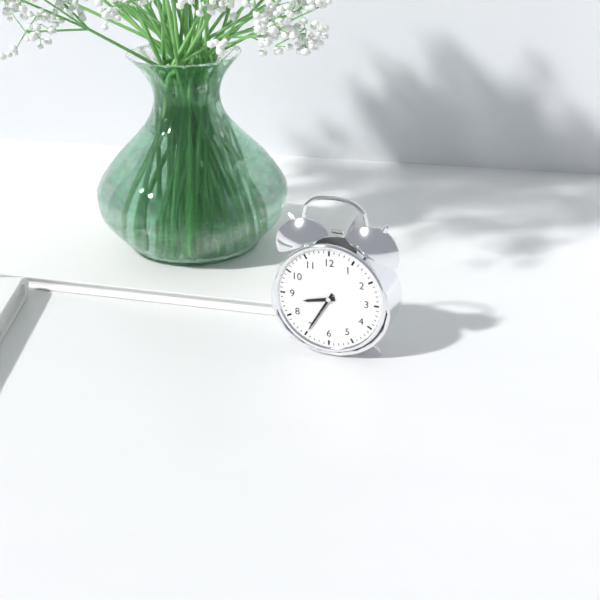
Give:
8h35
